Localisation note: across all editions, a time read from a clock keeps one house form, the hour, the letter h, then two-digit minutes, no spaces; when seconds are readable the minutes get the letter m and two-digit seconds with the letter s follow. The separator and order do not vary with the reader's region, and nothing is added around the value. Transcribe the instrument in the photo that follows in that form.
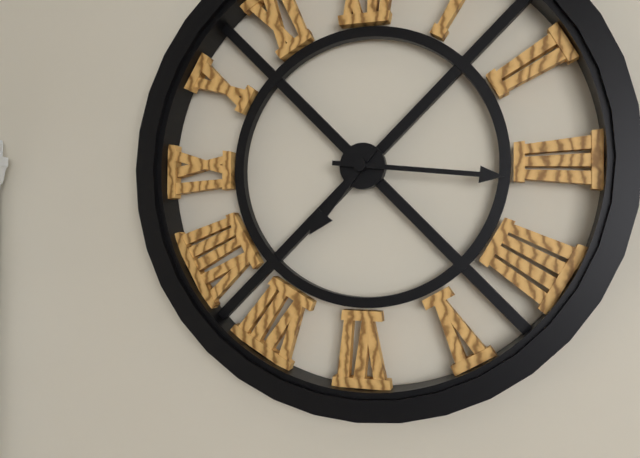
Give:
7h16
